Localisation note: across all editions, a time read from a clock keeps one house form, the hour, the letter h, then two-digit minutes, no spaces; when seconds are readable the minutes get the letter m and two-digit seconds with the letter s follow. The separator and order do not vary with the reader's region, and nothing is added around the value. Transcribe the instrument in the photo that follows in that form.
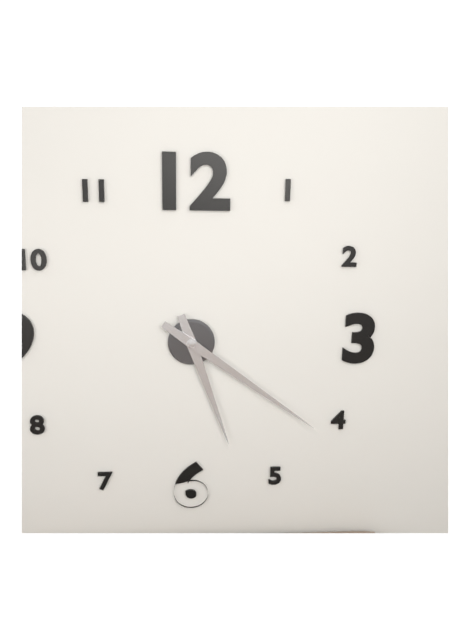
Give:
5h21
